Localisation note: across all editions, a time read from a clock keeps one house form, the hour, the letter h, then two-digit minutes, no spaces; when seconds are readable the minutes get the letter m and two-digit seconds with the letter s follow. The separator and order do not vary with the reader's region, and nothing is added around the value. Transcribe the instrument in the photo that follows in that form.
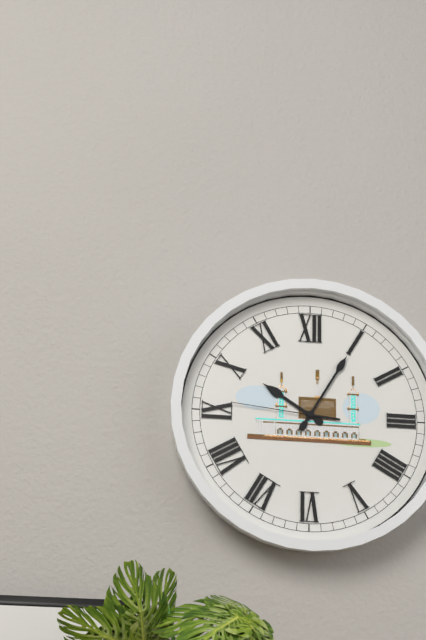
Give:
10h05m46s
